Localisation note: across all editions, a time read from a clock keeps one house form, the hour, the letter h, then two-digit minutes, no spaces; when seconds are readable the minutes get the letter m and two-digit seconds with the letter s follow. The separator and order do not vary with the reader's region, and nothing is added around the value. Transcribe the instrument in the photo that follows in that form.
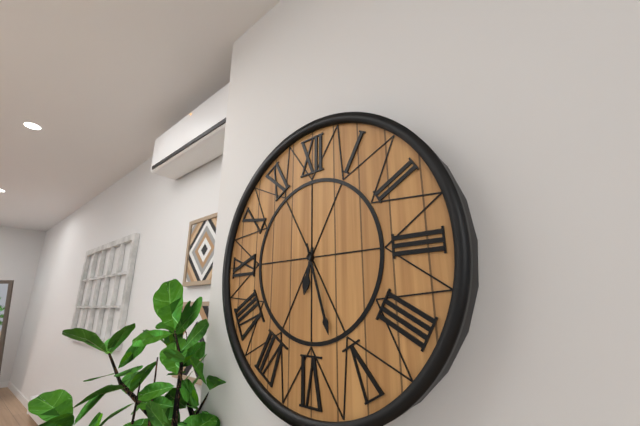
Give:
6h27
